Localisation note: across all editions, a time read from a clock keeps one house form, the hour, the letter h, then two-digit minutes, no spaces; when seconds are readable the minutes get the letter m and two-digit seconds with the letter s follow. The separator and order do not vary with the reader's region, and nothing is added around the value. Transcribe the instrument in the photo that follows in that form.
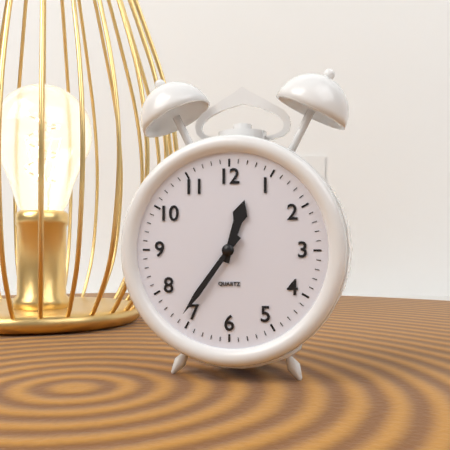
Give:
12h36
